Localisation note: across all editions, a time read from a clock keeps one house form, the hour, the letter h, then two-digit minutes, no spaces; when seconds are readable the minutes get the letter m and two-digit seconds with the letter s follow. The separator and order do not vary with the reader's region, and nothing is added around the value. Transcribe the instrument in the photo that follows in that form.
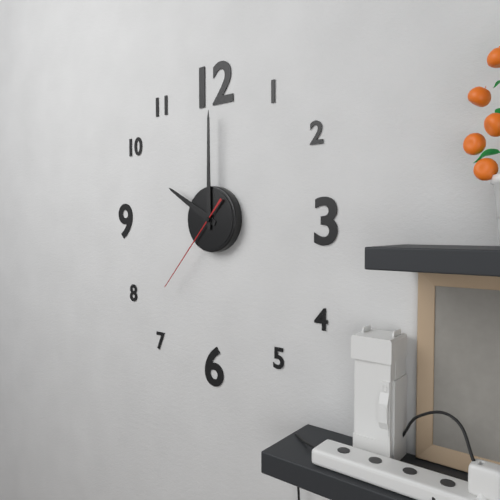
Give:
10h00m37s
